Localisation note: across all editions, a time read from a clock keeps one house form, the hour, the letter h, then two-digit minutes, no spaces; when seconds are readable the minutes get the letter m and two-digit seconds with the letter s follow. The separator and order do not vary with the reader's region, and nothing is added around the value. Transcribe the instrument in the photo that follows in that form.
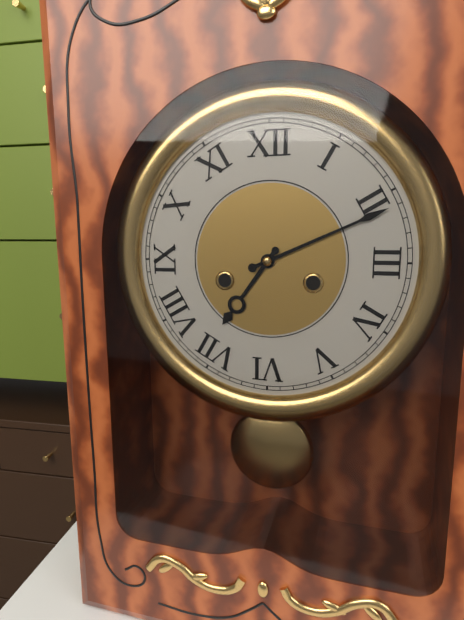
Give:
7h11
